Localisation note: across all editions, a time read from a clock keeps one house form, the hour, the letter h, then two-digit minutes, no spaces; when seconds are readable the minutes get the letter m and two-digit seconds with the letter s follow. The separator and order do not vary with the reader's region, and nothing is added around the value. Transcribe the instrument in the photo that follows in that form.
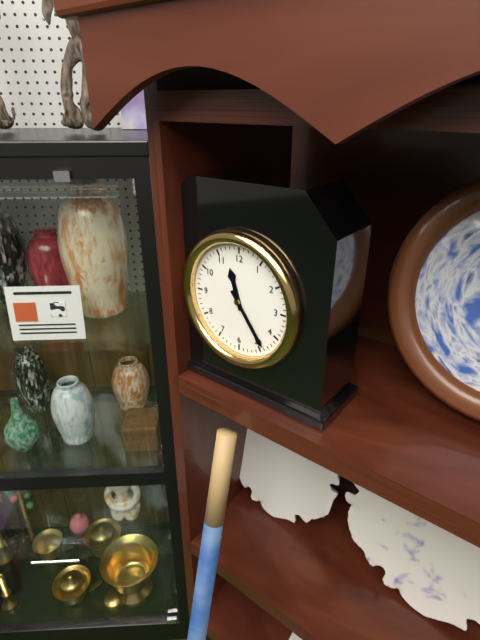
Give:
11h24
